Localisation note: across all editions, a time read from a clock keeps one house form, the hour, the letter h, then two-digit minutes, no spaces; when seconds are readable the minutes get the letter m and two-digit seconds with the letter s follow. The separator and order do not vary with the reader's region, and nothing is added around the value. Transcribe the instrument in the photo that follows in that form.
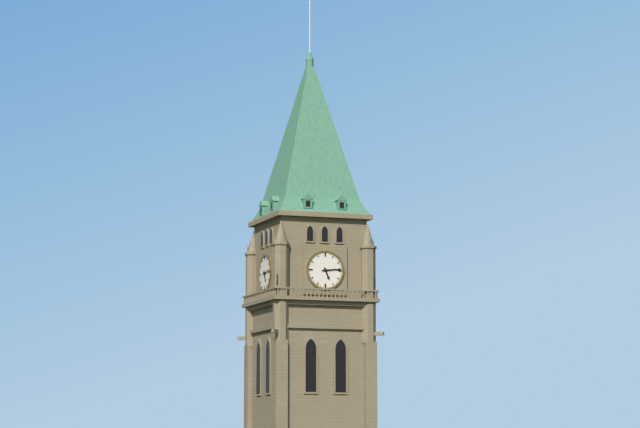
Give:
5h14
